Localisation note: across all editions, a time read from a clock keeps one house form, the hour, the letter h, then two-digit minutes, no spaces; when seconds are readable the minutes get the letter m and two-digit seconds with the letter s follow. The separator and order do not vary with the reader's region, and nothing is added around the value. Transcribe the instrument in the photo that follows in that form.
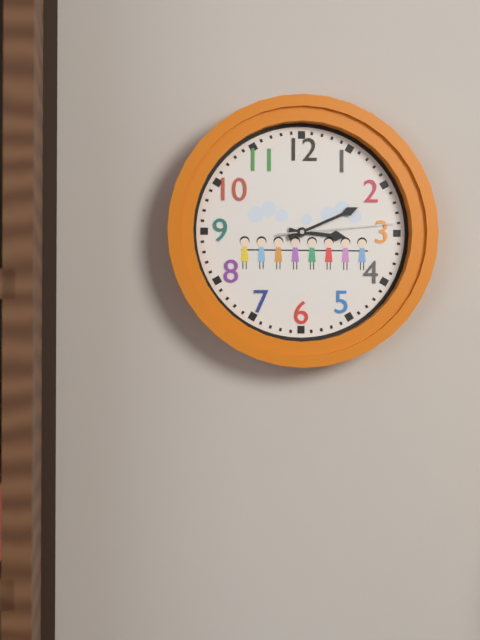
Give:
3h11m14s
